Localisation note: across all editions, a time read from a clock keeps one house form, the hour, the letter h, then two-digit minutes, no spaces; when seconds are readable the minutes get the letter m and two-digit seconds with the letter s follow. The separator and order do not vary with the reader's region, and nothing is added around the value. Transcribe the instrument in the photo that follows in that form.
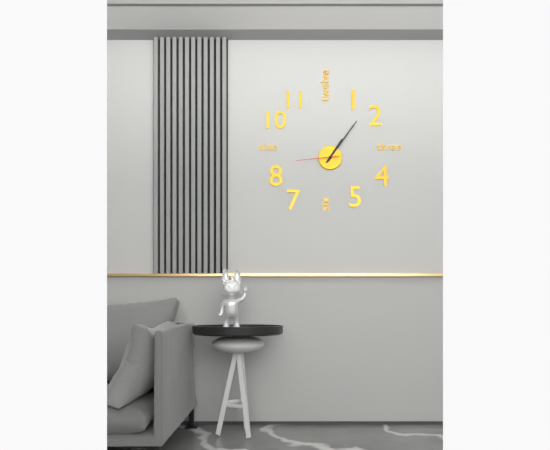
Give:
1h06
